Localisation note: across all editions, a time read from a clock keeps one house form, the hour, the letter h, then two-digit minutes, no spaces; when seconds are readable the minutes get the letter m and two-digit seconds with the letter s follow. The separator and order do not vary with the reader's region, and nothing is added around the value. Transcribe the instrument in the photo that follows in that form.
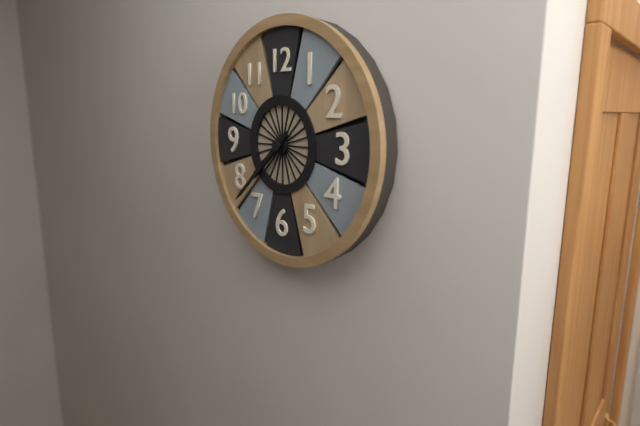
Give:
7h38
